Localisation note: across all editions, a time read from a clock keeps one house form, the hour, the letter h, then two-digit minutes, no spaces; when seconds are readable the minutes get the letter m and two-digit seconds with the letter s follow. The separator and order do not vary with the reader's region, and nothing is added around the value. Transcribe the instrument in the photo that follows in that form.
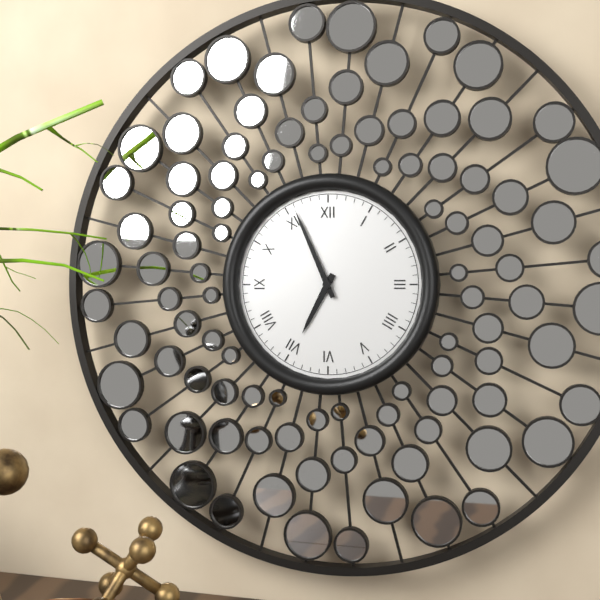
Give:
6h56
